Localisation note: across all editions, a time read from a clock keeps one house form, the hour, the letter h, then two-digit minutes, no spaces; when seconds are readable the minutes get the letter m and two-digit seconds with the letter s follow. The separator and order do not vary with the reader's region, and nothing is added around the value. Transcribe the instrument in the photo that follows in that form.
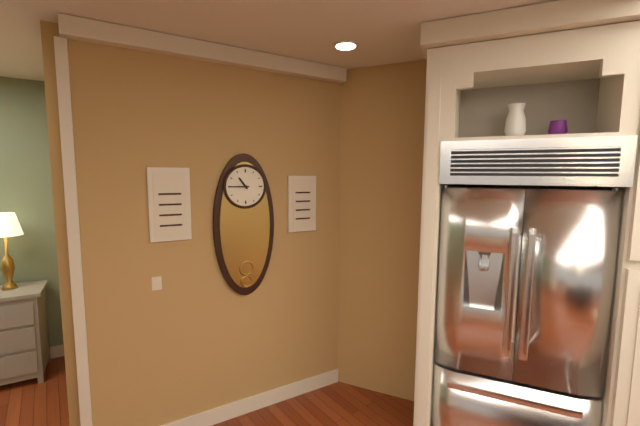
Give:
10h45
